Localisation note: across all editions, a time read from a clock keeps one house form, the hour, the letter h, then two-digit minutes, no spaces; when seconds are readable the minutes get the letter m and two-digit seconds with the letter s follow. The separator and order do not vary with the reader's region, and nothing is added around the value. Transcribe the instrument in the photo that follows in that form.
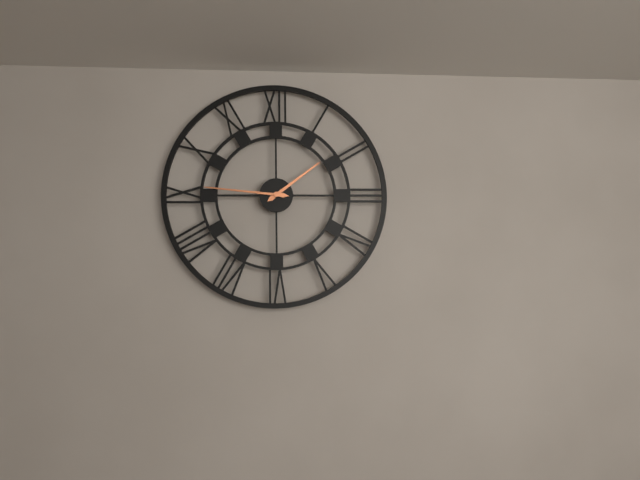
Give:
1h46
